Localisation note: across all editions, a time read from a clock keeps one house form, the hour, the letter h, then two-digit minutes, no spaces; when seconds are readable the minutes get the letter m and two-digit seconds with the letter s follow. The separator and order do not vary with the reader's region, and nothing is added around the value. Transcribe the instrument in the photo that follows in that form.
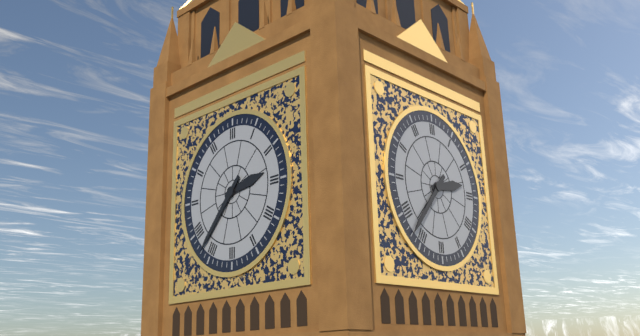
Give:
2h37
